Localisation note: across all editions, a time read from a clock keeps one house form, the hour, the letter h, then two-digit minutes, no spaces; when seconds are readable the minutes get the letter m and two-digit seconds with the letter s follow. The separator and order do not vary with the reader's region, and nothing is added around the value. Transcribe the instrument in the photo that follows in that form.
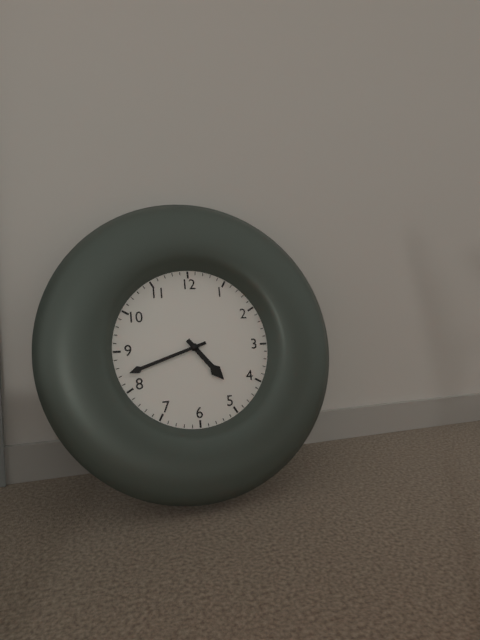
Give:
4h42
